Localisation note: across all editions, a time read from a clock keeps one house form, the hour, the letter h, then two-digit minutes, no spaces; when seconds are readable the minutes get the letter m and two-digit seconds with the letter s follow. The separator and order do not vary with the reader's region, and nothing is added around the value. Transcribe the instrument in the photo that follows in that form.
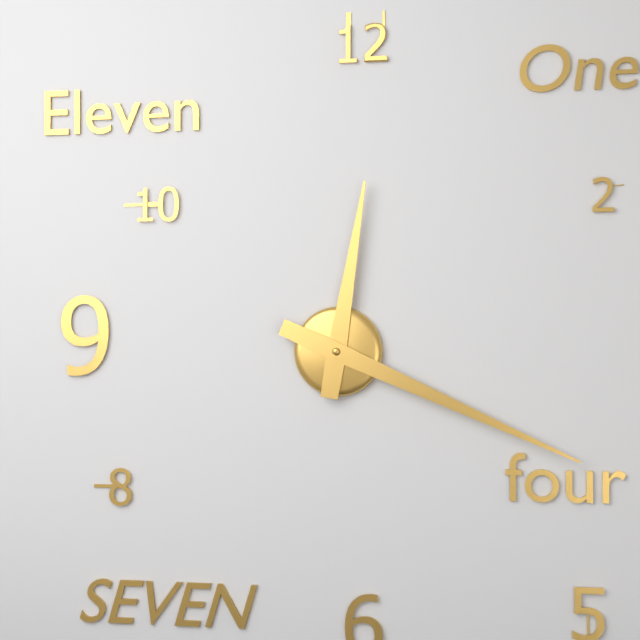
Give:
12h19
